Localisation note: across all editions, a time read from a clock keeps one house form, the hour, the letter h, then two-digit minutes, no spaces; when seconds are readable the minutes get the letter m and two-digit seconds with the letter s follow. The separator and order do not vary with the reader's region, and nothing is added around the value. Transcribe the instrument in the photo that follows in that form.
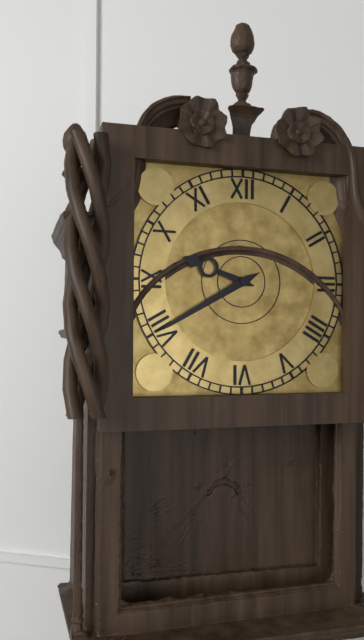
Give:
9h40
